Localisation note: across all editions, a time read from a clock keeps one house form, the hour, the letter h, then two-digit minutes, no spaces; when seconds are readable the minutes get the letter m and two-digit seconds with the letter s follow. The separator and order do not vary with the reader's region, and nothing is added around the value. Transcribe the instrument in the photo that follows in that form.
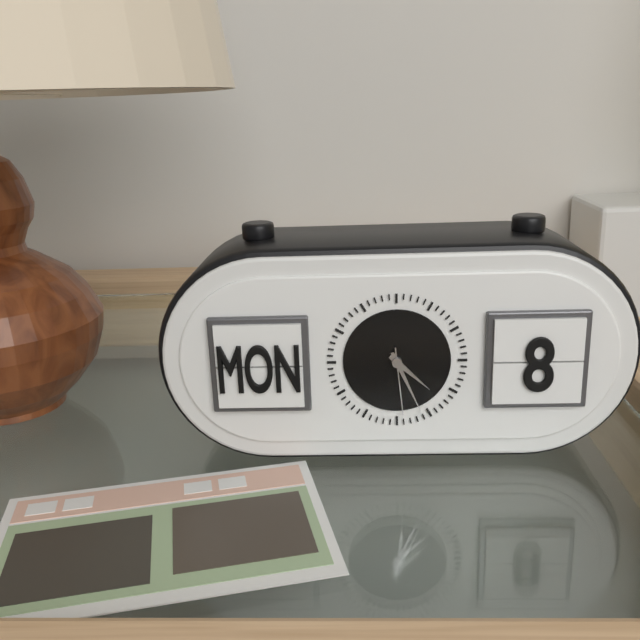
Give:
4h26m29s
